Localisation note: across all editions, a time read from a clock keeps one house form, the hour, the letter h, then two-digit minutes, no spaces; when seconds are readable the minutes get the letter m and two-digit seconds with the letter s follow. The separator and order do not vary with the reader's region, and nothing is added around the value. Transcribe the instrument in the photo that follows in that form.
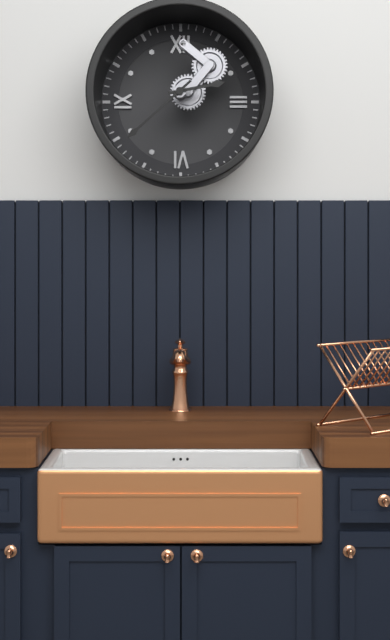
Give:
2h38
